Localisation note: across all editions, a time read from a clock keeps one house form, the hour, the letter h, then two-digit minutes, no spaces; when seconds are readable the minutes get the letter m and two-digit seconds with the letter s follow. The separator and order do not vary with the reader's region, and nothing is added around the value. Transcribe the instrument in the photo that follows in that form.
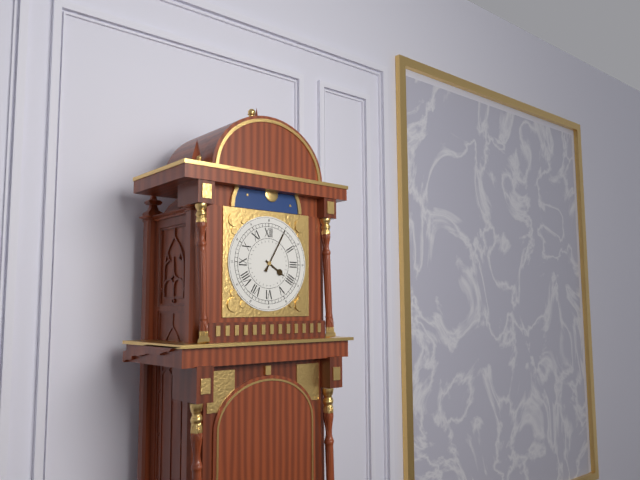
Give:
4h05
